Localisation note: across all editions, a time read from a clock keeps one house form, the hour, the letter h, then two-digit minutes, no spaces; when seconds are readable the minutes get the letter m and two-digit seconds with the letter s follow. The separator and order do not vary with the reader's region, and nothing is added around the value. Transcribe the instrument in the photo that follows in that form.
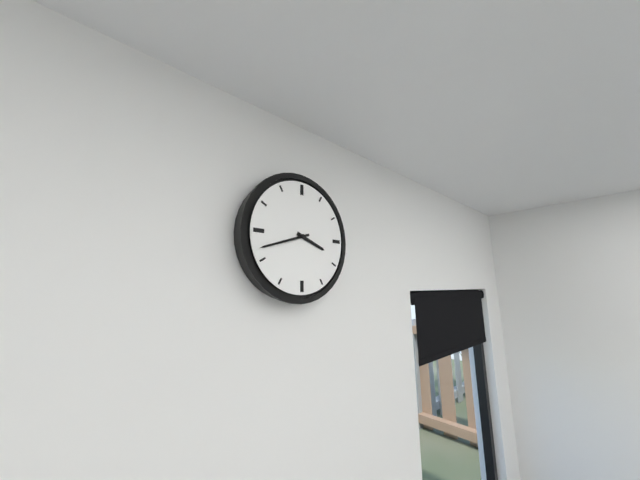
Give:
3h42
